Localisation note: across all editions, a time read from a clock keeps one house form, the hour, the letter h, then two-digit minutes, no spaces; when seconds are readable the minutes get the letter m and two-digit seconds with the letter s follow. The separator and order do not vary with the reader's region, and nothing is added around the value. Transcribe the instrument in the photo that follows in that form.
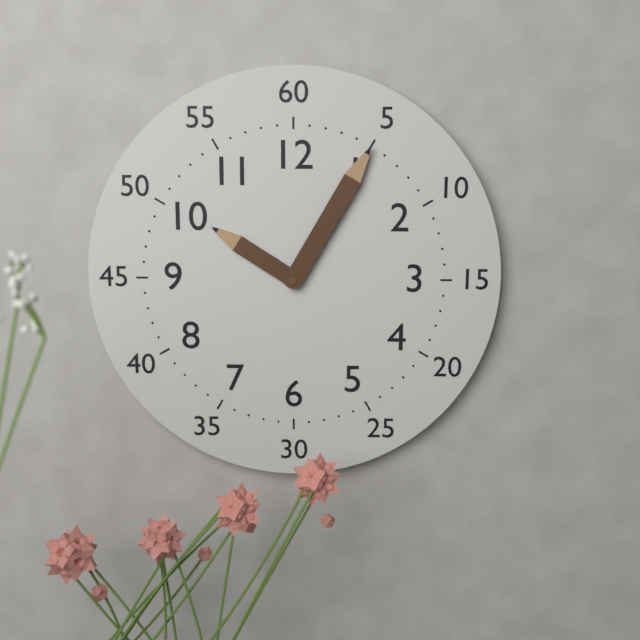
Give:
10h05
